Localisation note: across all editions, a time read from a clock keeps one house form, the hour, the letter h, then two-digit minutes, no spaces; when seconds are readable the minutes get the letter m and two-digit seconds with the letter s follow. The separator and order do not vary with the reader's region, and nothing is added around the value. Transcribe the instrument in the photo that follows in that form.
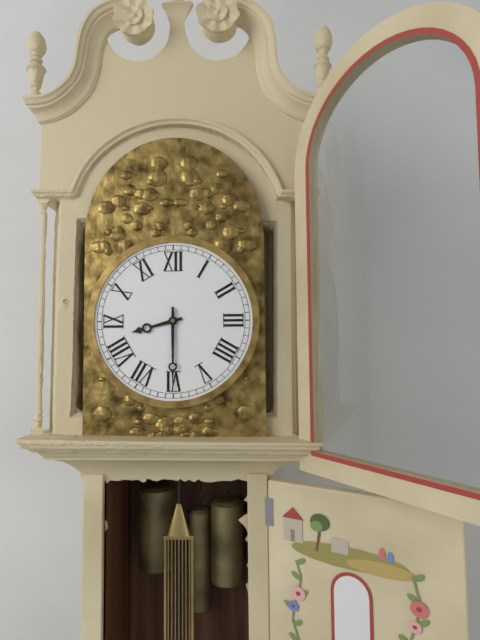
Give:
8h30
